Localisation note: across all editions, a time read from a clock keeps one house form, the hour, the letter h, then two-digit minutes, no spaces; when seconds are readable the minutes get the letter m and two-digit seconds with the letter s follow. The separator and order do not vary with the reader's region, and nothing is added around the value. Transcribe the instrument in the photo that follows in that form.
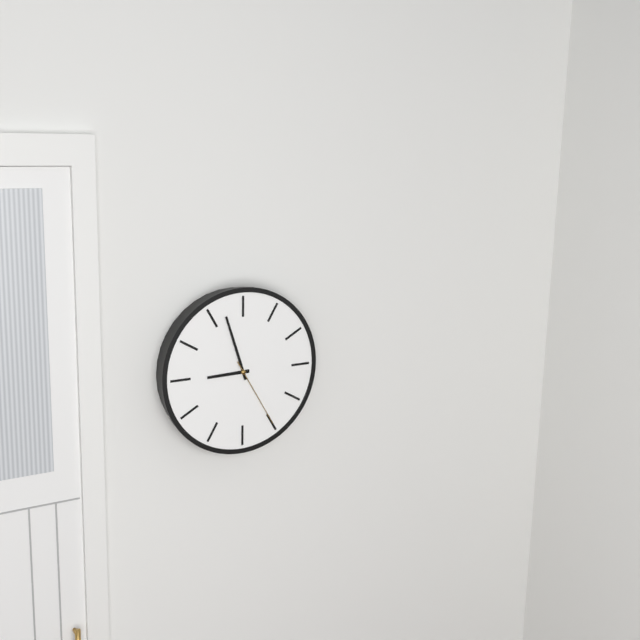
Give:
8h57m25s
